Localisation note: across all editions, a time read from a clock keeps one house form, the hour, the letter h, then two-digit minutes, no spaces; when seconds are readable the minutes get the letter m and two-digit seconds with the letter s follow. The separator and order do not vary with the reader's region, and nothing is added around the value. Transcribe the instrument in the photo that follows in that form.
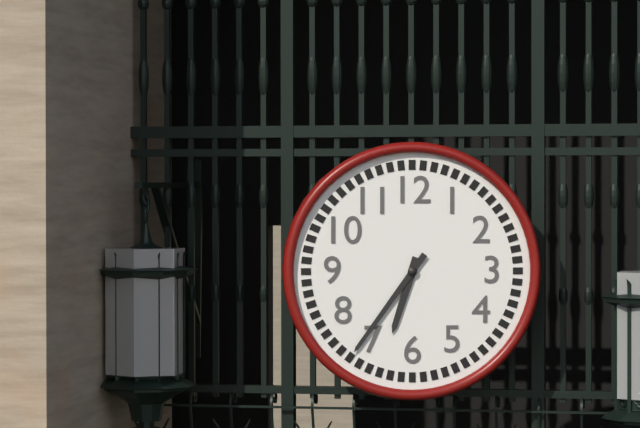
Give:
6h36
